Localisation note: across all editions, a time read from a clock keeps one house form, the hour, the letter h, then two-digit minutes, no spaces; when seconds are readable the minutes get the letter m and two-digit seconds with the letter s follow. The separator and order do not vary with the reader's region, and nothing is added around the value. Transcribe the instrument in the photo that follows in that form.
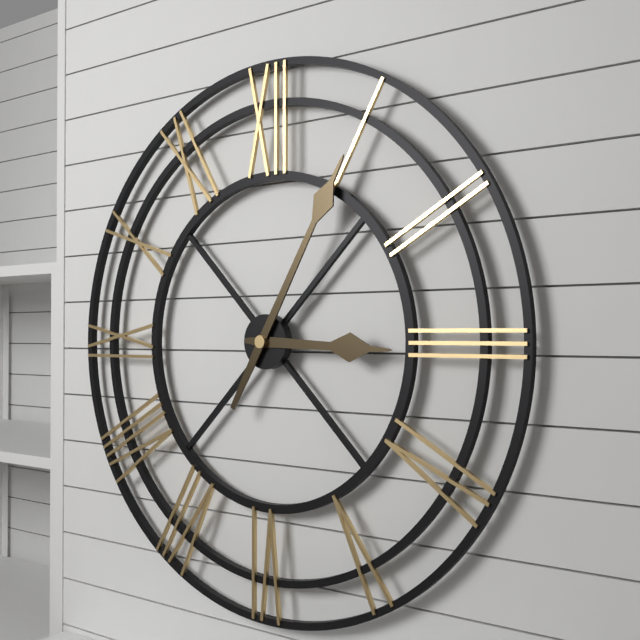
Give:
3h05
